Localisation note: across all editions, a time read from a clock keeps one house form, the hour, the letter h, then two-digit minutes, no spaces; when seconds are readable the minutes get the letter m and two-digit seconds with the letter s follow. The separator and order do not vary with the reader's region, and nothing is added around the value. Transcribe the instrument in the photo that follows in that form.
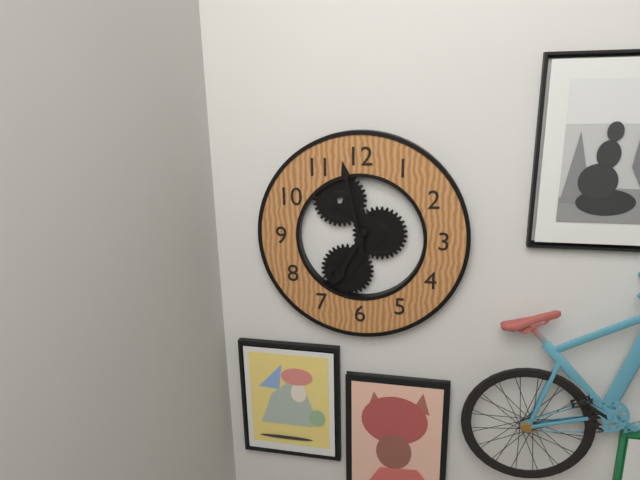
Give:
6h58
